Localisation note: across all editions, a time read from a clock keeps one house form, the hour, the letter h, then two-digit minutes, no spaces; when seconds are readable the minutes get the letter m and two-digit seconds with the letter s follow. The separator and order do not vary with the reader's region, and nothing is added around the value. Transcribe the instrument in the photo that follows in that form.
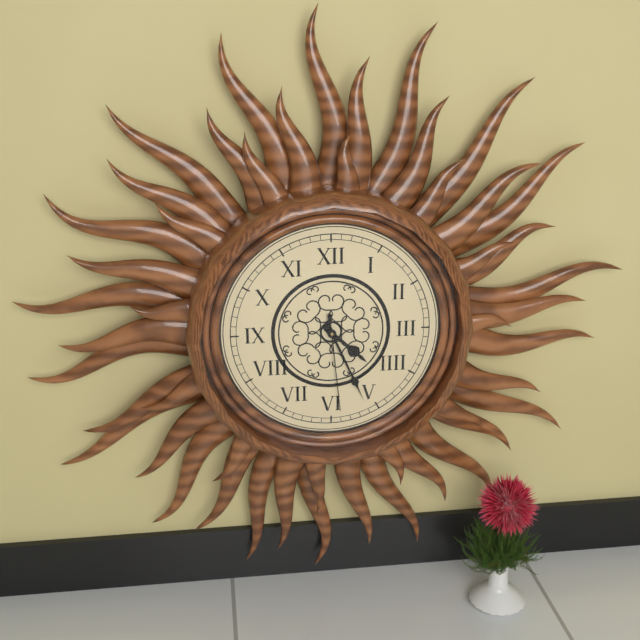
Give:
4h26m29s
